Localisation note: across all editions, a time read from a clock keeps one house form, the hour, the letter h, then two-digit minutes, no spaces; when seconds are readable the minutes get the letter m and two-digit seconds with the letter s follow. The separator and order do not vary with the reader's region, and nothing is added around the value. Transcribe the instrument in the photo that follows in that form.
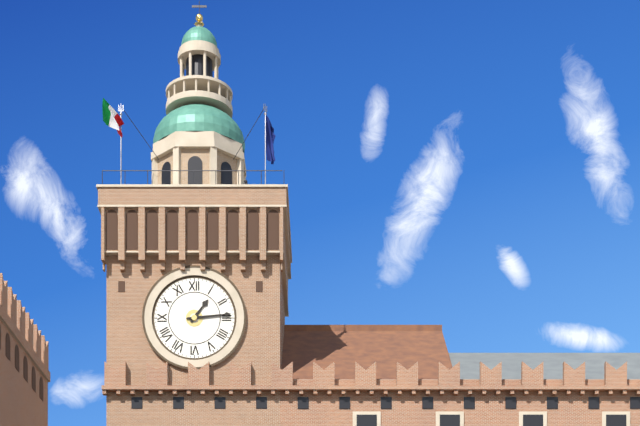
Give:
1h14
